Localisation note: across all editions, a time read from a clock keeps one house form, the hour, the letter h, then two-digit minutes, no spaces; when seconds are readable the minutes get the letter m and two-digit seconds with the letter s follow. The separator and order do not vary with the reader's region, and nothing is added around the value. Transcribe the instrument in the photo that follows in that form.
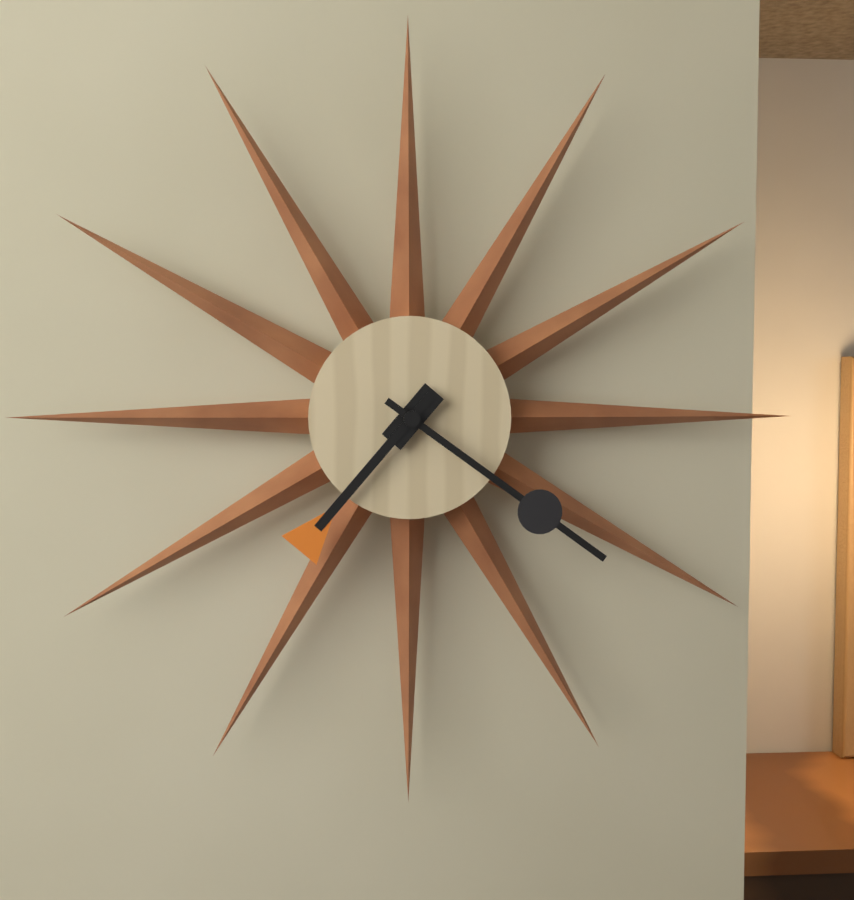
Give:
7h21
